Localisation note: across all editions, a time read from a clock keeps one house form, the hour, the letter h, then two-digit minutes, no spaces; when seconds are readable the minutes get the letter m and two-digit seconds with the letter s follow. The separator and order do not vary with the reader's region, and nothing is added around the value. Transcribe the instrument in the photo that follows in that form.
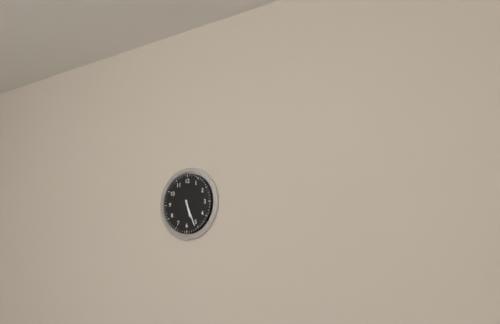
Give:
5h26
